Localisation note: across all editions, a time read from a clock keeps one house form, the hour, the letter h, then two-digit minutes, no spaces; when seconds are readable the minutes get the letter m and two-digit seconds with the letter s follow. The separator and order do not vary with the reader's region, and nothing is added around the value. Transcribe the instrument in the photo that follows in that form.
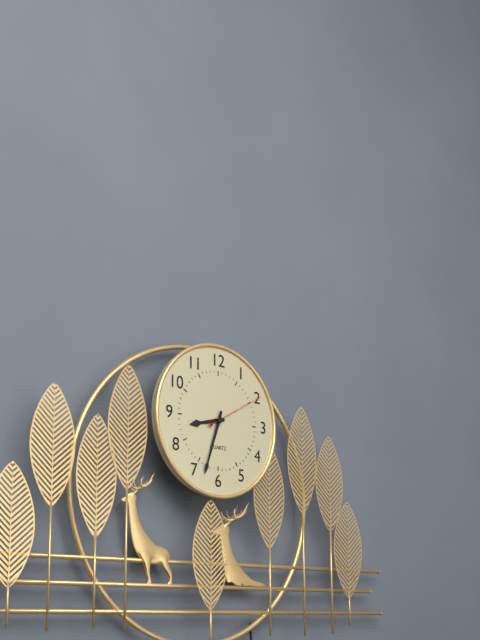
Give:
8h33m10s
